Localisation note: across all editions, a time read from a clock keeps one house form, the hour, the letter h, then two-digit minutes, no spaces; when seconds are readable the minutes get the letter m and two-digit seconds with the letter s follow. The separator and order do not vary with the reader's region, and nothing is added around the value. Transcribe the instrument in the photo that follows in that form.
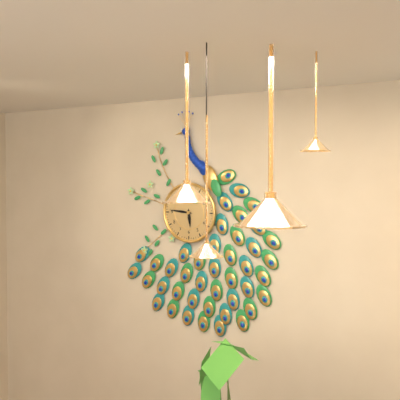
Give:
5h46
